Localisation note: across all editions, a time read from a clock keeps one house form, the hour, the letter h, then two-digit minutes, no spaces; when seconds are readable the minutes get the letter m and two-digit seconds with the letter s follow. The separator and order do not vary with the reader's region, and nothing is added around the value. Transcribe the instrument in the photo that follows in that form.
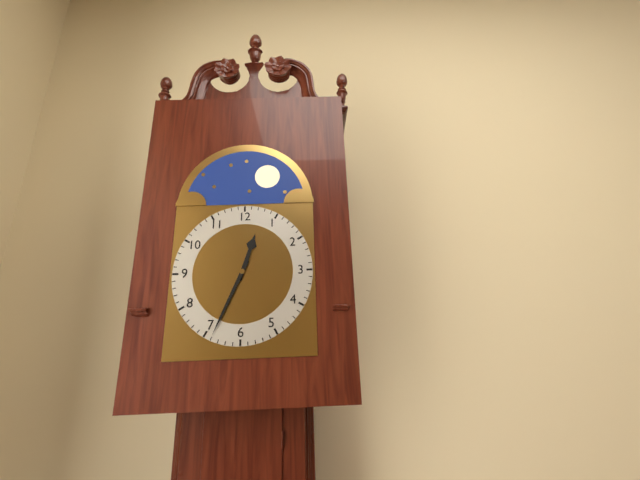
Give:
12h34
